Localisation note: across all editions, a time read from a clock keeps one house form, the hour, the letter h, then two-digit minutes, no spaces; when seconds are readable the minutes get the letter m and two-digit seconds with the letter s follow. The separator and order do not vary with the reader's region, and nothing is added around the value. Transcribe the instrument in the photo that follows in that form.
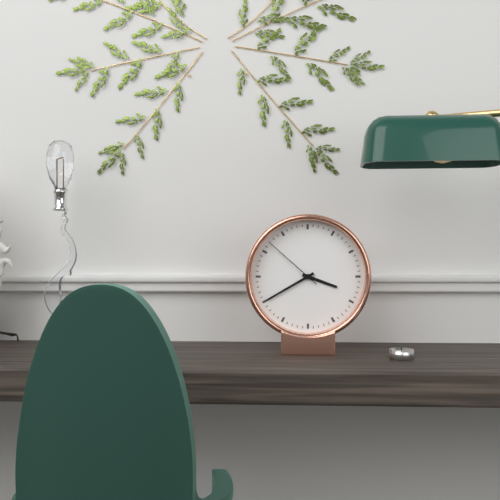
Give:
3h40m52s
